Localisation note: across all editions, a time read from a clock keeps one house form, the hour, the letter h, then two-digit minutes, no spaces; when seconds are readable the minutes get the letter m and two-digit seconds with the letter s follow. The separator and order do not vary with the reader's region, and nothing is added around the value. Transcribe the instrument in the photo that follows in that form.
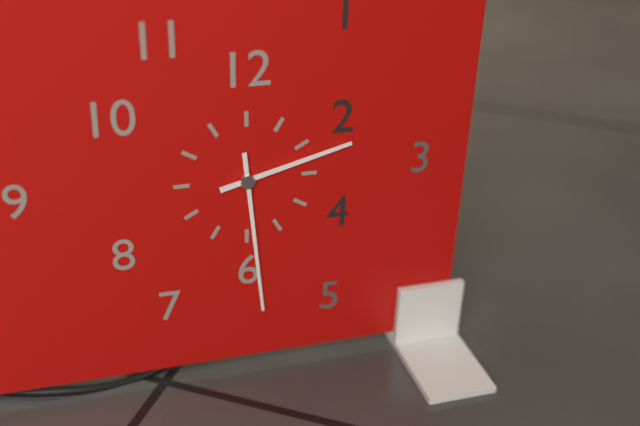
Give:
2h29
